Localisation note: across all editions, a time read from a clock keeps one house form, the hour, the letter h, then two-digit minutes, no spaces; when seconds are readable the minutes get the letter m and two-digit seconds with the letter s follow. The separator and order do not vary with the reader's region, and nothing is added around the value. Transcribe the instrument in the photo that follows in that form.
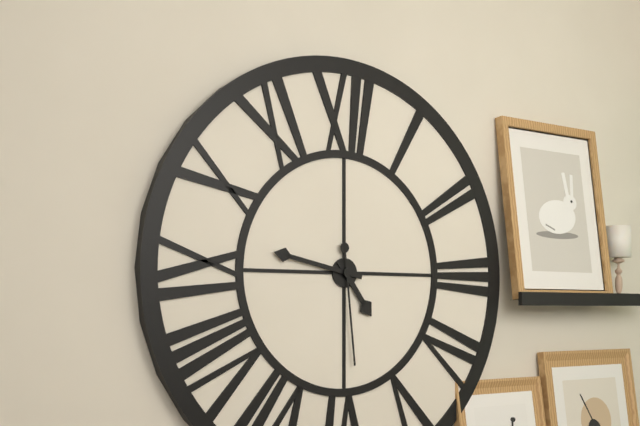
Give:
4h47m29s
